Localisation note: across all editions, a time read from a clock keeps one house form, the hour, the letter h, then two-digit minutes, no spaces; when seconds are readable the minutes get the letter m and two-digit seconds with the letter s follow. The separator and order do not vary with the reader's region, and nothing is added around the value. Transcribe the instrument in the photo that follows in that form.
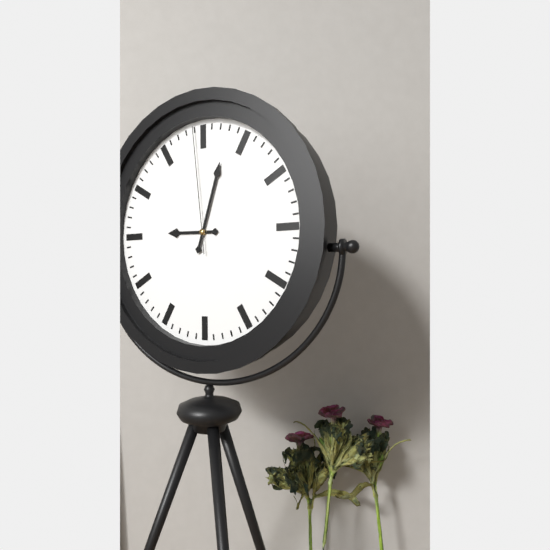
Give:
9h03m59s
